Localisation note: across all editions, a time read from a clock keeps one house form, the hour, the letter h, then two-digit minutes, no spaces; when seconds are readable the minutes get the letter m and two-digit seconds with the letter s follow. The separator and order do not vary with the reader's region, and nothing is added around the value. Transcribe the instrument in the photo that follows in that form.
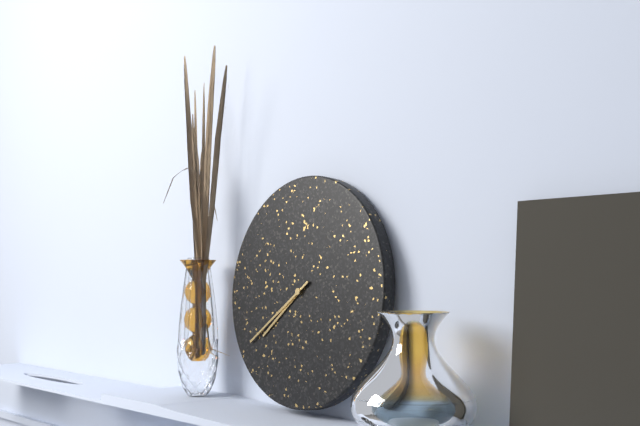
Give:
7h39
